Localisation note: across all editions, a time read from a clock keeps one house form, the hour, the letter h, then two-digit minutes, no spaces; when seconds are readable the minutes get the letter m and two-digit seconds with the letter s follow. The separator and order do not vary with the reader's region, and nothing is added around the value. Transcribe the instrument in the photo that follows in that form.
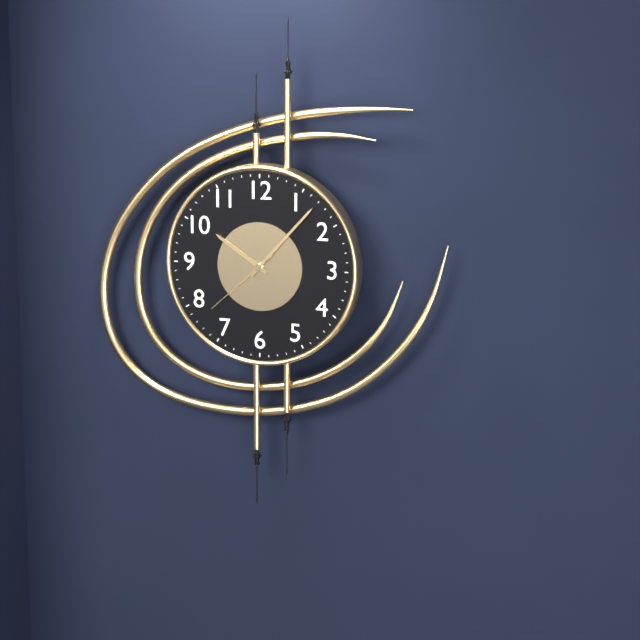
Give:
10h07m38s
